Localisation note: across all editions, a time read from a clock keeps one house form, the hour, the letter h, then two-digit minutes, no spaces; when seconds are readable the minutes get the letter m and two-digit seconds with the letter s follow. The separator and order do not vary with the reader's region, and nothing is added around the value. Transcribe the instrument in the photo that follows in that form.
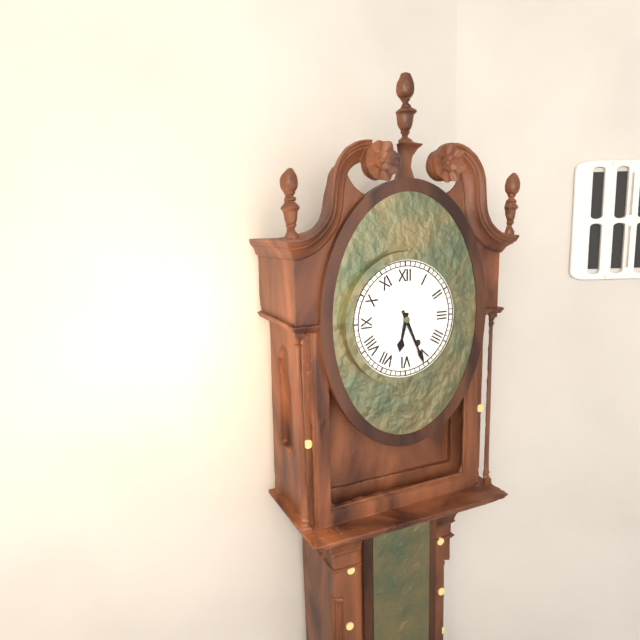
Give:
6h26
